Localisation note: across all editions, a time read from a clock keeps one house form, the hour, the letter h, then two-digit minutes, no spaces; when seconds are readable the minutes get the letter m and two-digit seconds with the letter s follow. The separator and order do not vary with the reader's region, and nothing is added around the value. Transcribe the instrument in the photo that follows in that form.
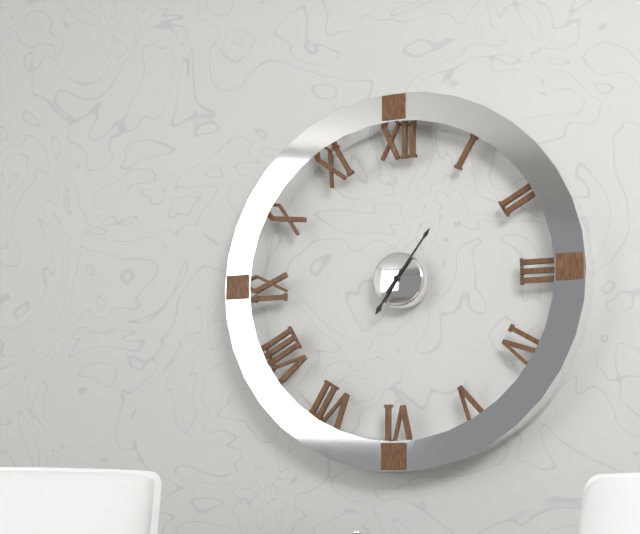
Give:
7h06
